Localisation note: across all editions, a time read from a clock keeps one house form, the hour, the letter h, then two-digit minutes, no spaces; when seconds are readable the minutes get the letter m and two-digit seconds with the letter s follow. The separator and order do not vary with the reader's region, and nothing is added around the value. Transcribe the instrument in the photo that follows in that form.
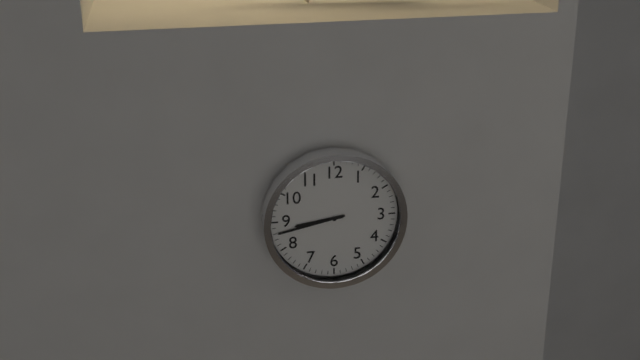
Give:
8h43
